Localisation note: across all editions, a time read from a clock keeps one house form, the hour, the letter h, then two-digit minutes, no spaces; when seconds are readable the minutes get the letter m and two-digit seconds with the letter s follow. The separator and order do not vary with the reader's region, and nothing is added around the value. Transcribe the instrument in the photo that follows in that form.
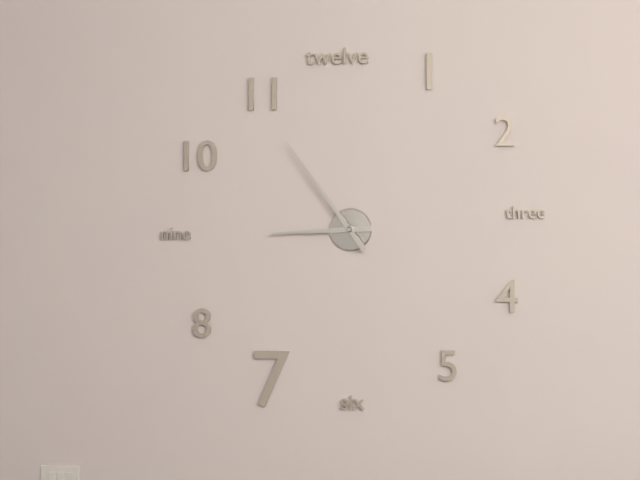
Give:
8h54
